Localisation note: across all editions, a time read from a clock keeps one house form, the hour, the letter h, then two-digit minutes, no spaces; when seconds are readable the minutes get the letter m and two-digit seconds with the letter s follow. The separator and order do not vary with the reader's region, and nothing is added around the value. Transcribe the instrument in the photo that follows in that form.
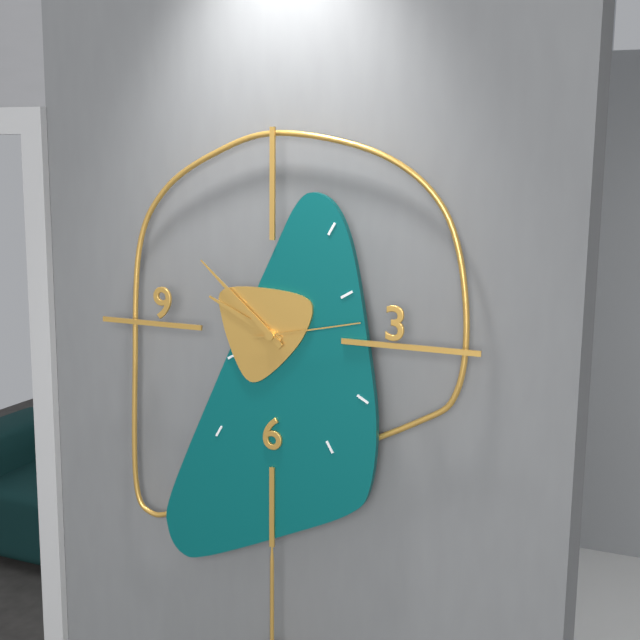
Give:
9h52m13s
